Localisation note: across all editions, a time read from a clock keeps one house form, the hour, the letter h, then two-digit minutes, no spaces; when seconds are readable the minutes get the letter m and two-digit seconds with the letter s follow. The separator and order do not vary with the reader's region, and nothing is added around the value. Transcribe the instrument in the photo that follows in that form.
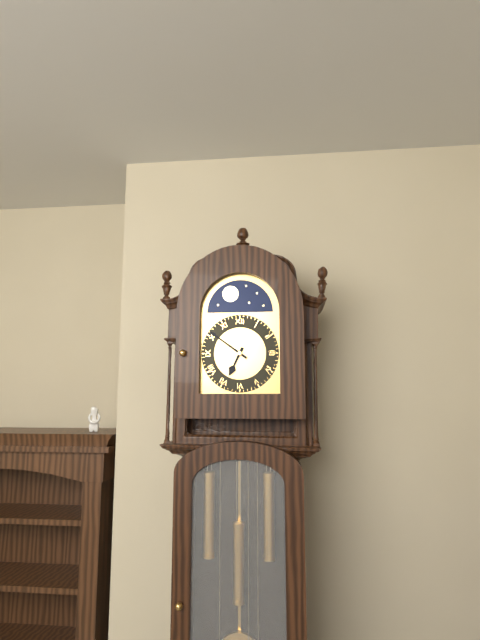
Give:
6h51
